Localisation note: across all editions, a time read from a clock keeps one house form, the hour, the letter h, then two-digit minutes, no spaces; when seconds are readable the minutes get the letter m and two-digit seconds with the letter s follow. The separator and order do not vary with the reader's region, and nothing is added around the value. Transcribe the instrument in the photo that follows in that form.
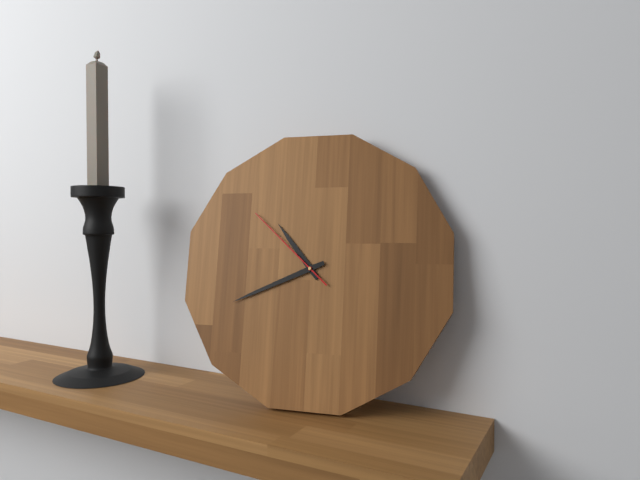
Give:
10h41m52s
